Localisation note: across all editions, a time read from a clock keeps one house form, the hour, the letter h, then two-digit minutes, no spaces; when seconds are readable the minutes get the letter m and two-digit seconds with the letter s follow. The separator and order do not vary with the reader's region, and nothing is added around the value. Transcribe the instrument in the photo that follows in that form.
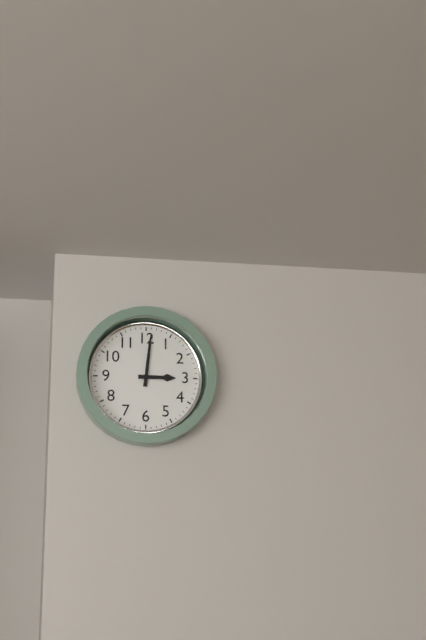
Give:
3h01
